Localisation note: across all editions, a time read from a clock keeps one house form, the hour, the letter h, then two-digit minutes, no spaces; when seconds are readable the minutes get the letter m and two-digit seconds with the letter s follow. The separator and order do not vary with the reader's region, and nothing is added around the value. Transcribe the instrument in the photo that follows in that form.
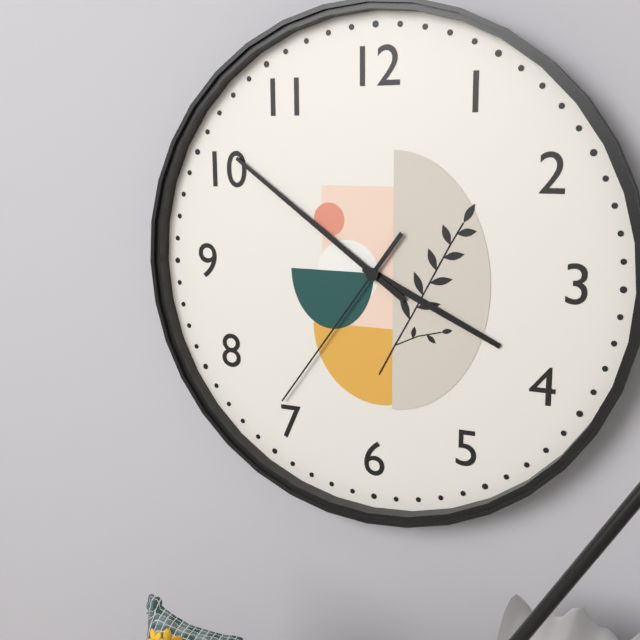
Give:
3h51m36s
